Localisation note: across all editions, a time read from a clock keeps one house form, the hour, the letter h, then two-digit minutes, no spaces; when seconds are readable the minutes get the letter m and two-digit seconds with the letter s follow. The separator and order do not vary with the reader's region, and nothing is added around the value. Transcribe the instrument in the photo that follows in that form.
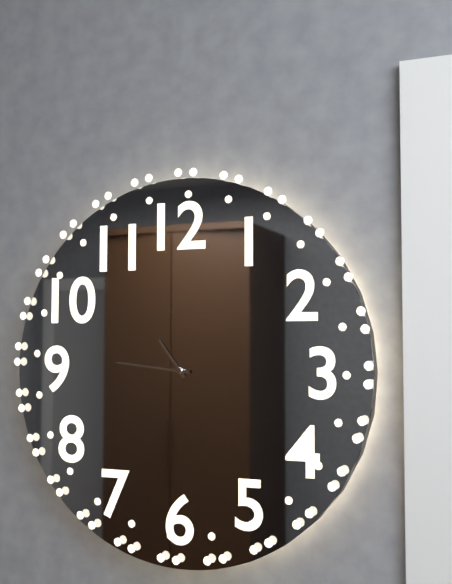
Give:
10h46
